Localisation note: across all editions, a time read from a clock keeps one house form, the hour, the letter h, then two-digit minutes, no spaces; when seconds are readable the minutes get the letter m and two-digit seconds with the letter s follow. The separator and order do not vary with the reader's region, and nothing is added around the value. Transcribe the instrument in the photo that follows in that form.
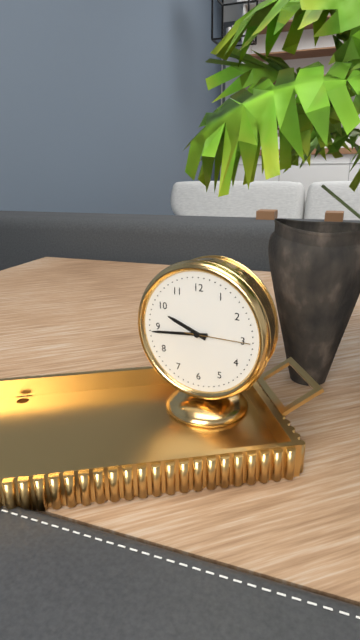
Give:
9h44m15s
